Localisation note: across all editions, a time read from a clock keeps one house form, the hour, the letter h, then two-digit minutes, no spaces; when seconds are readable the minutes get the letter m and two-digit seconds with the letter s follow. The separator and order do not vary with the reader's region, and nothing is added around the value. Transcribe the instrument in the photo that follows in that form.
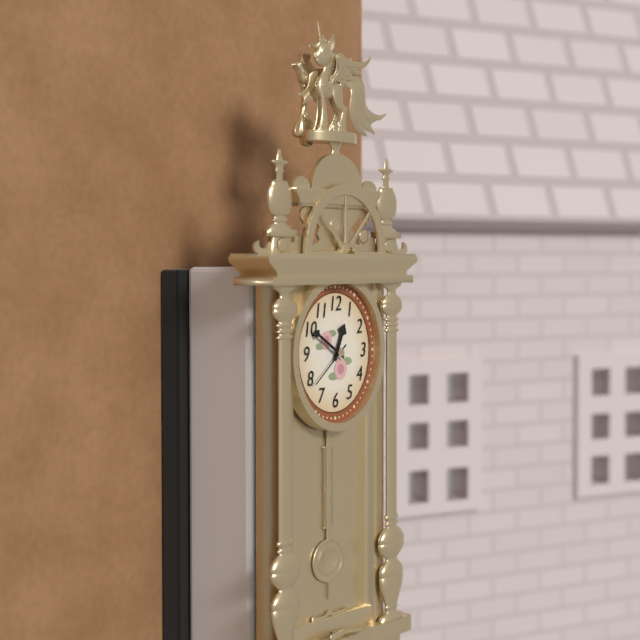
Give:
12h50m39s
